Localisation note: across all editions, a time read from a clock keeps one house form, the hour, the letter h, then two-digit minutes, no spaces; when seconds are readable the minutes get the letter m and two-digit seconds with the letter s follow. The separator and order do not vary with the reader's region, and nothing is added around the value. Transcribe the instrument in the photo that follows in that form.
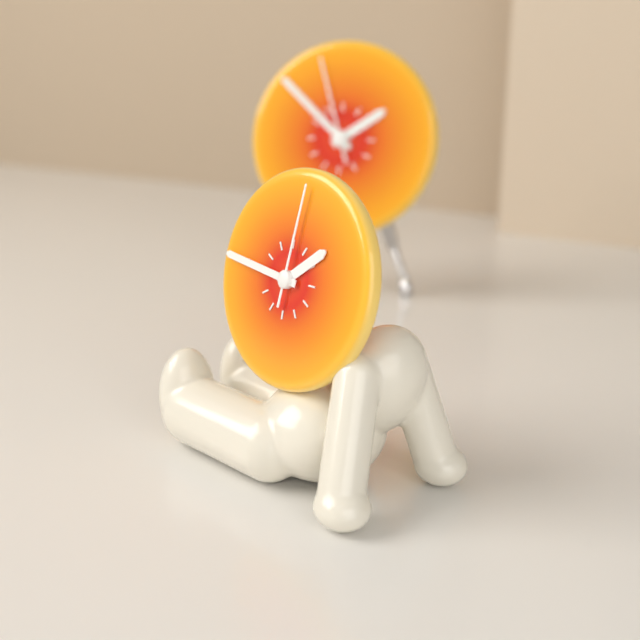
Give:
1h46m01s
